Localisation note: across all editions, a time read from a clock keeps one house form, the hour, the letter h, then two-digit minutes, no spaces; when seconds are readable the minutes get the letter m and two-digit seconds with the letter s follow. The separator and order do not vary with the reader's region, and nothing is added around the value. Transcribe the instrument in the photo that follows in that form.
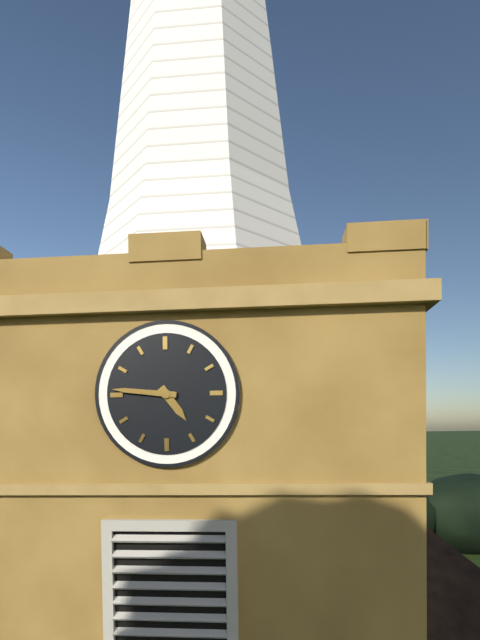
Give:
4h46
